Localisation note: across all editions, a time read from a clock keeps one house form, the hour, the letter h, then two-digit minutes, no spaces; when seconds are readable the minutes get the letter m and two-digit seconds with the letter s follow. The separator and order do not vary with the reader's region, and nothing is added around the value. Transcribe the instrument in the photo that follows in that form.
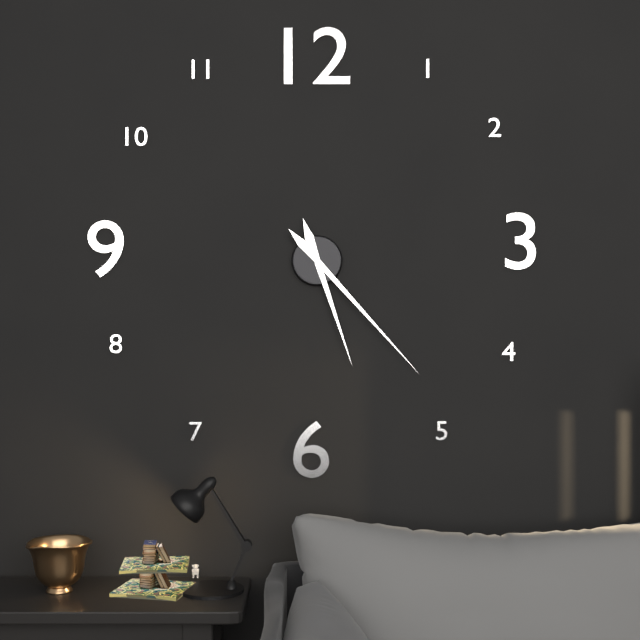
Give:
5h23
